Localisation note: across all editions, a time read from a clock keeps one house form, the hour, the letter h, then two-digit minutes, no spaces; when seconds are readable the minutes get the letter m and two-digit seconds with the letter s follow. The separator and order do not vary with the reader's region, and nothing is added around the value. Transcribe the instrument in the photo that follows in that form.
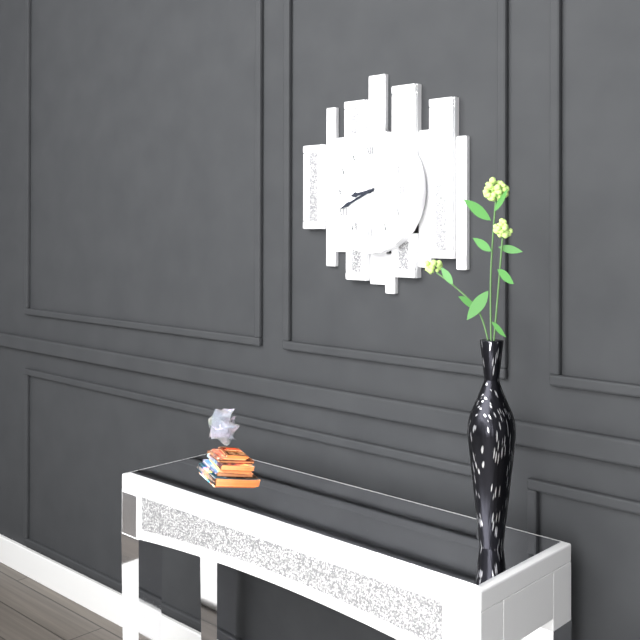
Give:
8h41
